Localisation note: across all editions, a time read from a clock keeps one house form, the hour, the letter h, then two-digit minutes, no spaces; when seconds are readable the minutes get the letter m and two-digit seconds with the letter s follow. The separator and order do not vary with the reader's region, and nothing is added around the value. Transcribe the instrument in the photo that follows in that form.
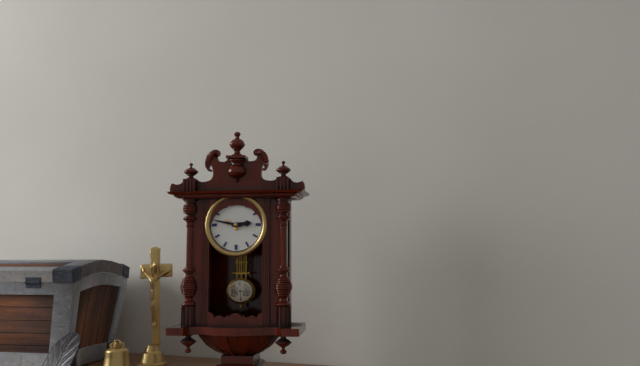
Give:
2h47
